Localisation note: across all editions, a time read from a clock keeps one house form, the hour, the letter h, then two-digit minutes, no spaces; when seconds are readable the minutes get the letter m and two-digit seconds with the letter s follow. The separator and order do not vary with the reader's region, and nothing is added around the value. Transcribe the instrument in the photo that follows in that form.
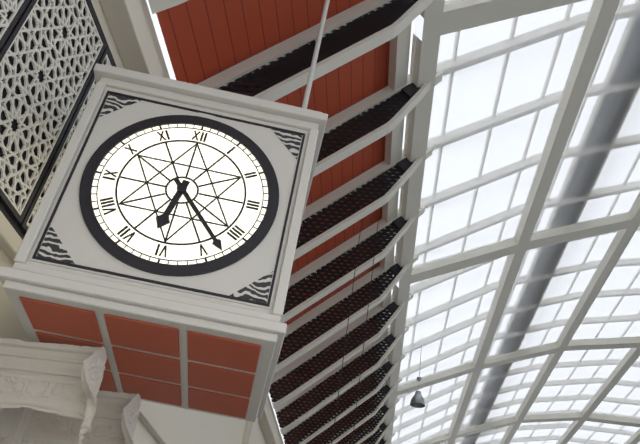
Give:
6h23
